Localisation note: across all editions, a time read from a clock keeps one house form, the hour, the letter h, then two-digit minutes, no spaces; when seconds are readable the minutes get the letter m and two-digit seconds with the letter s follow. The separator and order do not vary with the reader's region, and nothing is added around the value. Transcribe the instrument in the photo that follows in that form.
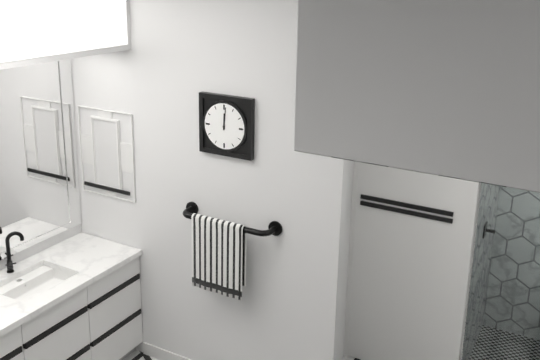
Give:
12h01
